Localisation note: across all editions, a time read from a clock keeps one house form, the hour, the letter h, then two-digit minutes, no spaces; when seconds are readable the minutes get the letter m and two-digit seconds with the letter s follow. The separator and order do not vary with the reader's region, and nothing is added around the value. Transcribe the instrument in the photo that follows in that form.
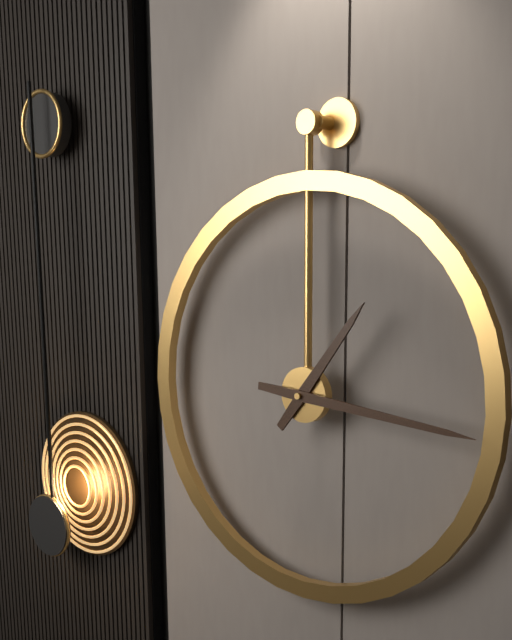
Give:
1h16
